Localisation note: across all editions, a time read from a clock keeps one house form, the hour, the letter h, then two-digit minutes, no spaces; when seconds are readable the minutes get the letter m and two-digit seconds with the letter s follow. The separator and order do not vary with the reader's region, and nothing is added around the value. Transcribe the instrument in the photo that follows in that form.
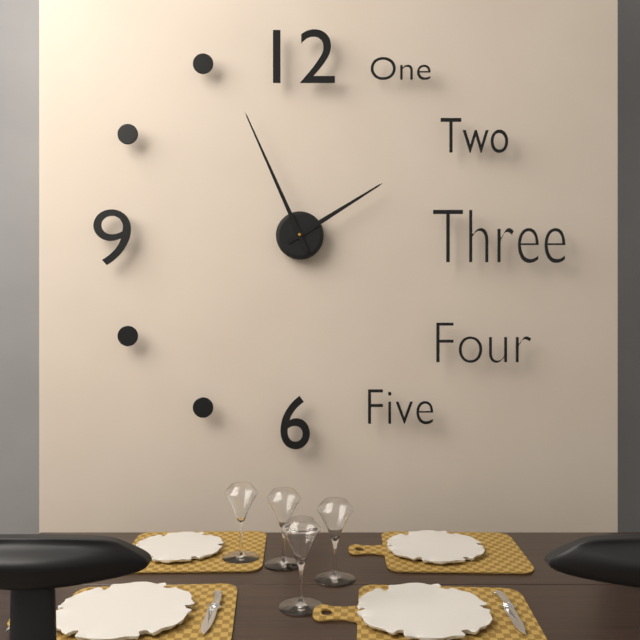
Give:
1h56
